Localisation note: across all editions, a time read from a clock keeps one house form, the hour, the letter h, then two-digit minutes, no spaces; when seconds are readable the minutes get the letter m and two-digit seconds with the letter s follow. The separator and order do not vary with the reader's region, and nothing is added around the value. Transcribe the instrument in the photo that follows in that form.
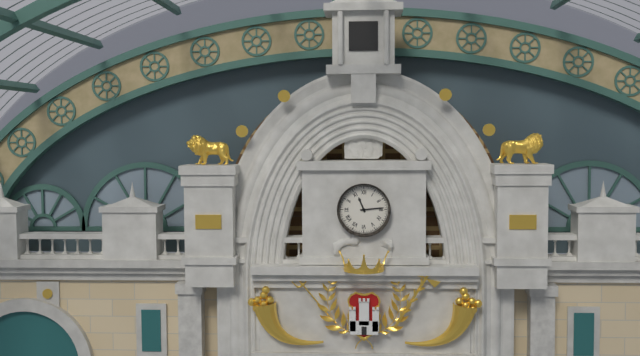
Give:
11h14
